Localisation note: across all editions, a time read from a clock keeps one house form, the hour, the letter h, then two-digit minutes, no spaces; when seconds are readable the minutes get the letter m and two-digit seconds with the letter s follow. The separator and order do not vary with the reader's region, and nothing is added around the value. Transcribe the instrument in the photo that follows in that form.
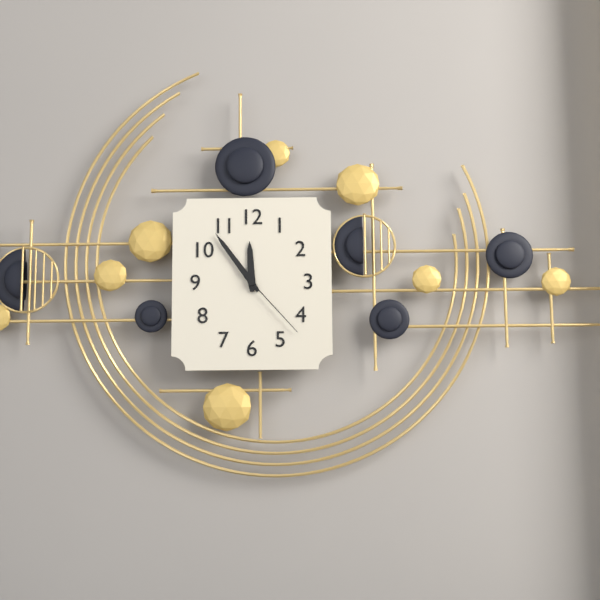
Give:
11h54m23s
